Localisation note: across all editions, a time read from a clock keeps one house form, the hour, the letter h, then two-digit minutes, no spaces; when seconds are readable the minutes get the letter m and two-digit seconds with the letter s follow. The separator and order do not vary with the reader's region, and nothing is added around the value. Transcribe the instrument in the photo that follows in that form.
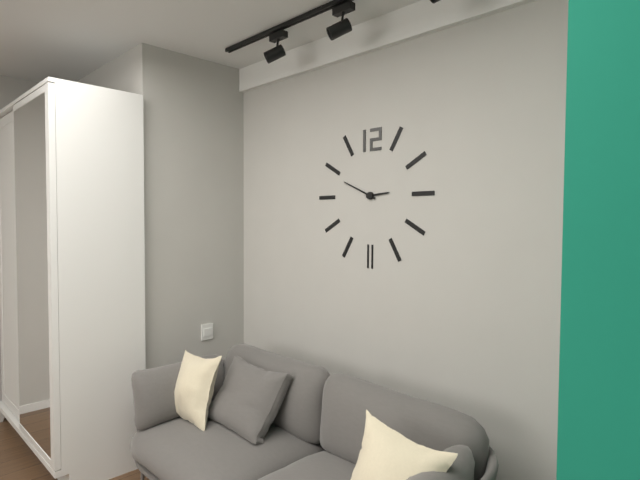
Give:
2h49
